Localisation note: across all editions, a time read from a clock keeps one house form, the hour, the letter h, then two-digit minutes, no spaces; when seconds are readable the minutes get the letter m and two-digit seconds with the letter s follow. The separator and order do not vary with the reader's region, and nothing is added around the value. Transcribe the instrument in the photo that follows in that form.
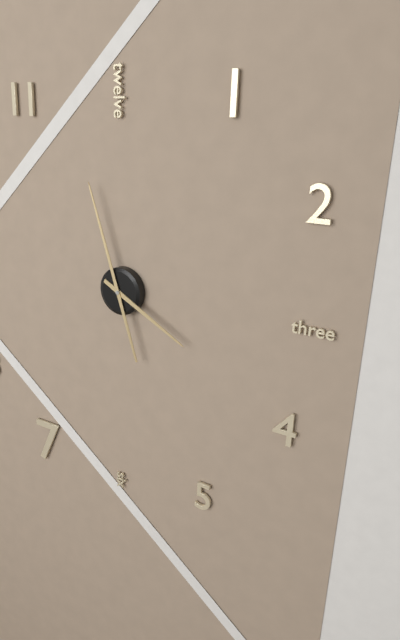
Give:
3h57
